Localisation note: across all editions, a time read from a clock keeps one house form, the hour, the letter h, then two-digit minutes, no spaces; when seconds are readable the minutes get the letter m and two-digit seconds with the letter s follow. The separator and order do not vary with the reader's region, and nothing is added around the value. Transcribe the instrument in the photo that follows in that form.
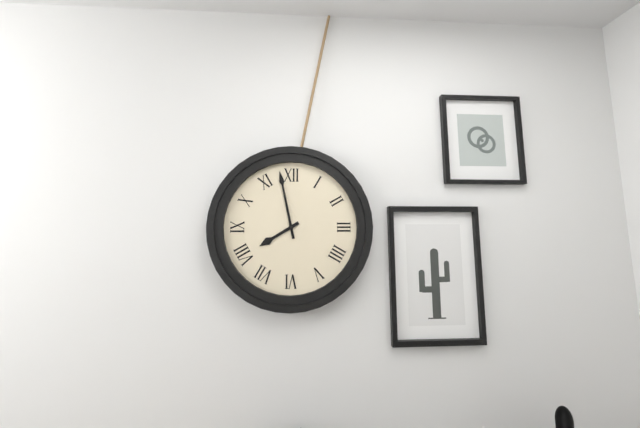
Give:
7h58
